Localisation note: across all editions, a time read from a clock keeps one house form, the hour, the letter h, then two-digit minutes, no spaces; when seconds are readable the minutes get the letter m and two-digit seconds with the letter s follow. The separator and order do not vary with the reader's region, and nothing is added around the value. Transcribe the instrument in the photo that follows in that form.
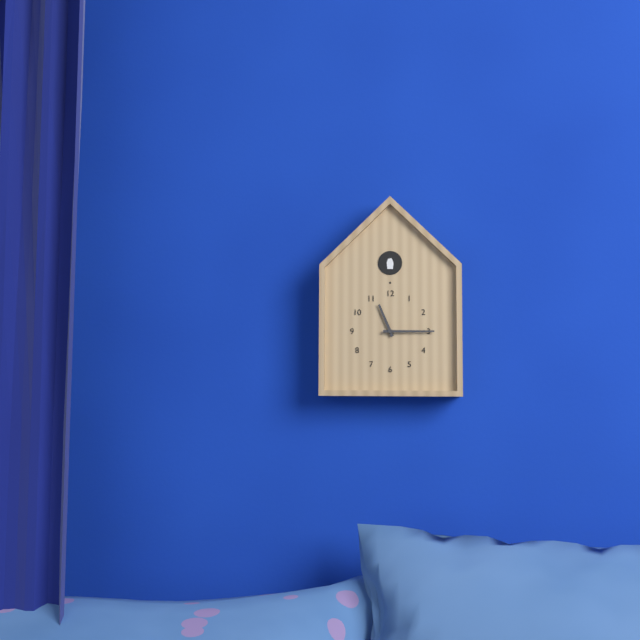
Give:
11h15
